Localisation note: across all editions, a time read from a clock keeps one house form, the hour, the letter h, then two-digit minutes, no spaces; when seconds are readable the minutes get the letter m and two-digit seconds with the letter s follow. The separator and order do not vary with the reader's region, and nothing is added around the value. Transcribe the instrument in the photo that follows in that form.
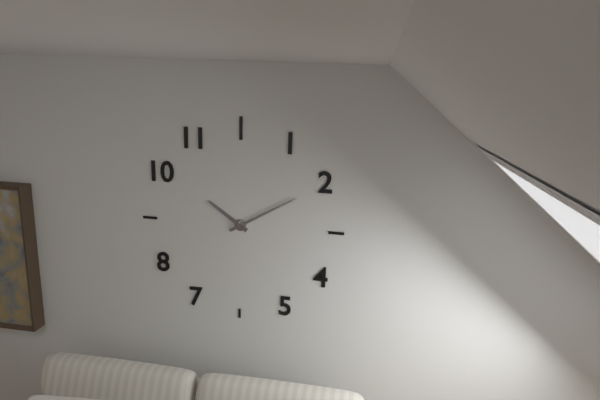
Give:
10h10
